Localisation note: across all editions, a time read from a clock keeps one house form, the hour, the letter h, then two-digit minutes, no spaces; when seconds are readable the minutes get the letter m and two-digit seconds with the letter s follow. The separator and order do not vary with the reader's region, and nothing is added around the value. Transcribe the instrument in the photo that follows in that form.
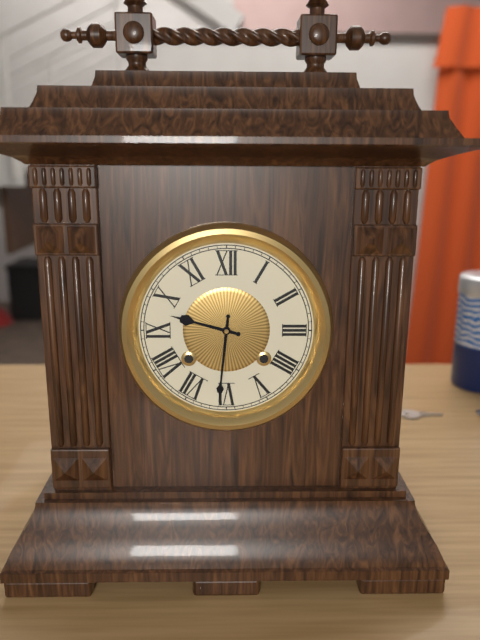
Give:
9h31
